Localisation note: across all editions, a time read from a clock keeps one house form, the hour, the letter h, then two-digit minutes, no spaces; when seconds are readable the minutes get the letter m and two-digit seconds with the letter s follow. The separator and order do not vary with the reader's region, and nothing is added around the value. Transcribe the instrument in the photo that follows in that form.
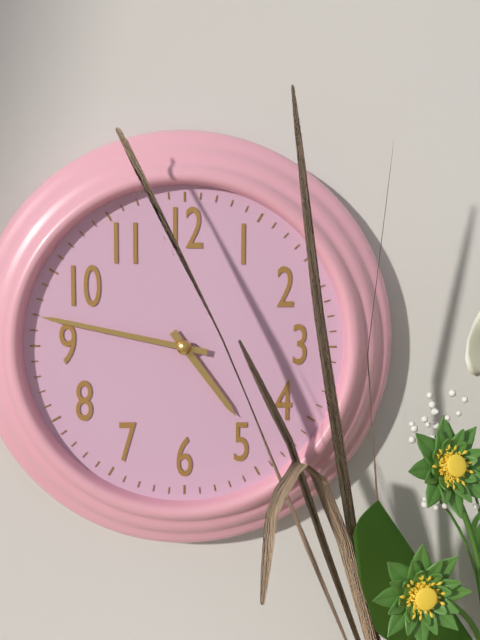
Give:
4h47
